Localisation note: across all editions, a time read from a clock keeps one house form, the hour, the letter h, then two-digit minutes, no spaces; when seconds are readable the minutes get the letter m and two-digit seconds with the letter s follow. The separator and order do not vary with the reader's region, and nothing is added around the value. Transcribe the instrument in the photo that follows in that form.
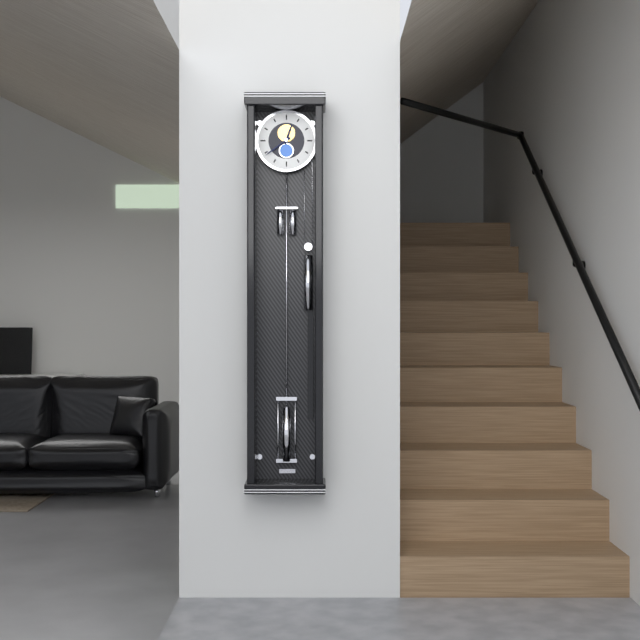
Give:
12h39
